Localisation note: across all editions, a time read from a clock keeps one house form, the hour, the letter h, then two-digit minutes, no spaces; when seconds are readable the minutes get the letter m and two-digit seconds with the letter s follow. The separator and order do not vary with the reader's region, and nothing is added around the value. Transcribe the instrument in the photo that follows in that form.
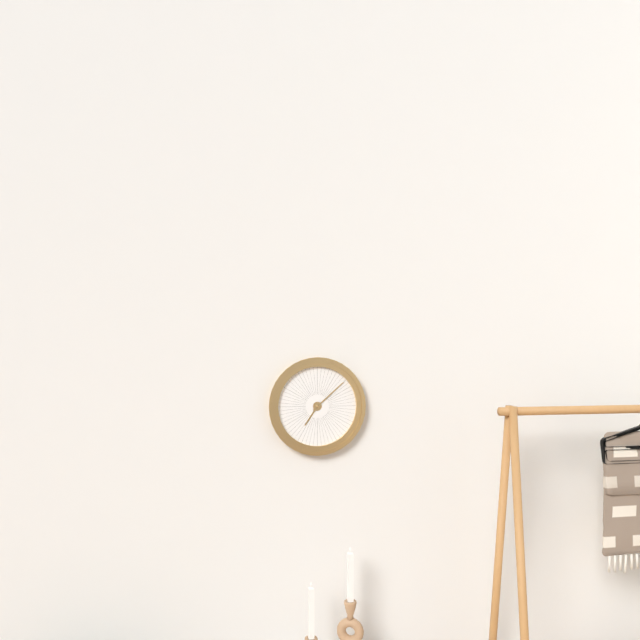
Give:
7h08
